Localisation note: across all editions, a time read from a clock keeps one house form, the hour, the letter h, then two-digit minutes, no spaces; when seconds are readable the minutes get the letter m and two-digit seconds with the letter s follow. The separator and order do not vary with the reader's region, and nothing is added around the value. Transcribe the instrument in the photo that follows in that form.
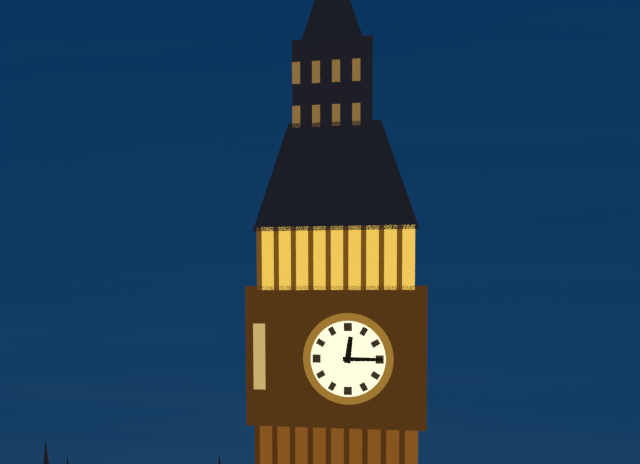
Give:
12h15
